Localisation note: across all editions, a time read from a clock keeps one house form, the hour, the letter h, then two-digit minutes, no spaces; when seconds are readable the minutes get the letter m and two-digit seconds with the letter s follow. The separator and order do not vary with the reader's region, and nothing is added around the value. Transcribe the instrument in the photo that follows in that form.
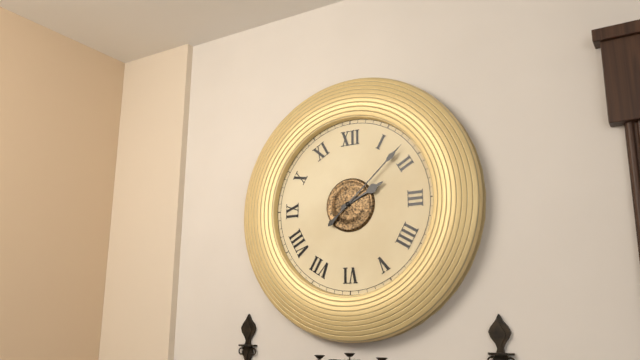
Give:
2h08
